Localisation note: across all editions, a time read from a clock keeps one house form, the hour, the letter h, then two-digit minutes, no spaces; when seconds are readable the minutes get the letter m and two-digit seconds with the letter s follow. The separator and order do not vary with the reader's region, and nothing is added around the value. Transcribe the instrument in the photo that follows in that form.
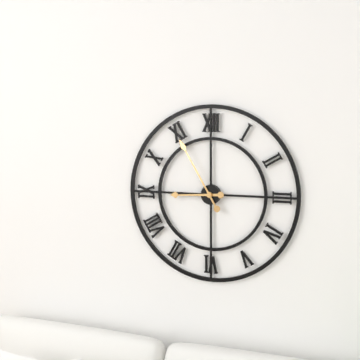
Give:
8h55
